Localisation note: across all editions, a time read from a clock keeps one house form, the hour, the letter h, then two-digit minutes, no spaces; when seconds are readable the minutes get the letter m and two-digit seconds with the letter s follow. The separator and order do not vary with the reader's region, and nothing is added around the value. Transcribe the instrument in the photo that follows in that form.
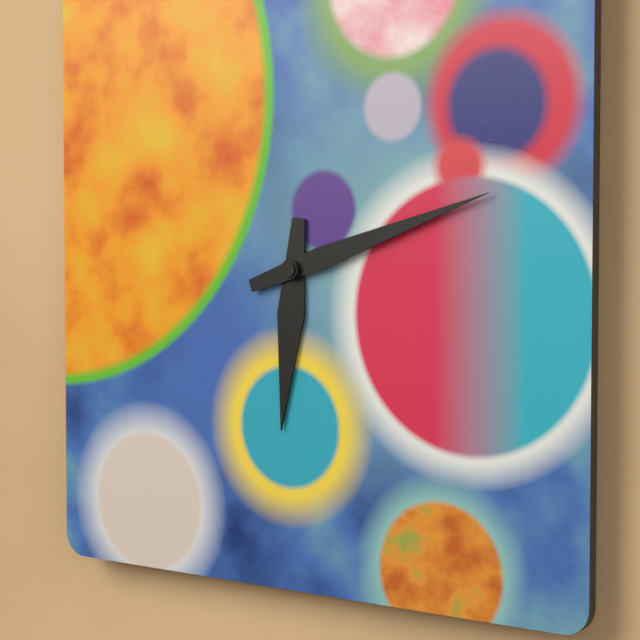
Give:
6h12
